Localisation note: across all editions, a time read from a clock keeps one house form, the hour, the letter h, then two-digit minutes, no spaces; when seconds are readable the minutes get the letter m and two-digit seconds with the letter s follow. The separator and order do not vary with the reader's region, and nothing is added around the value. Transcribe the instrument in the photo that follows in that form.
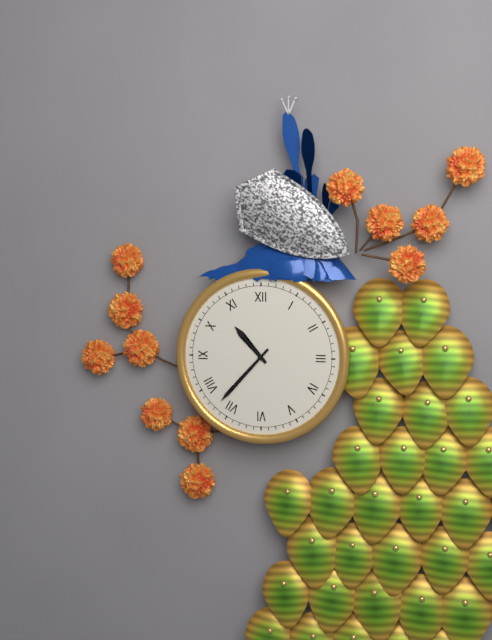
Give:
10h37
